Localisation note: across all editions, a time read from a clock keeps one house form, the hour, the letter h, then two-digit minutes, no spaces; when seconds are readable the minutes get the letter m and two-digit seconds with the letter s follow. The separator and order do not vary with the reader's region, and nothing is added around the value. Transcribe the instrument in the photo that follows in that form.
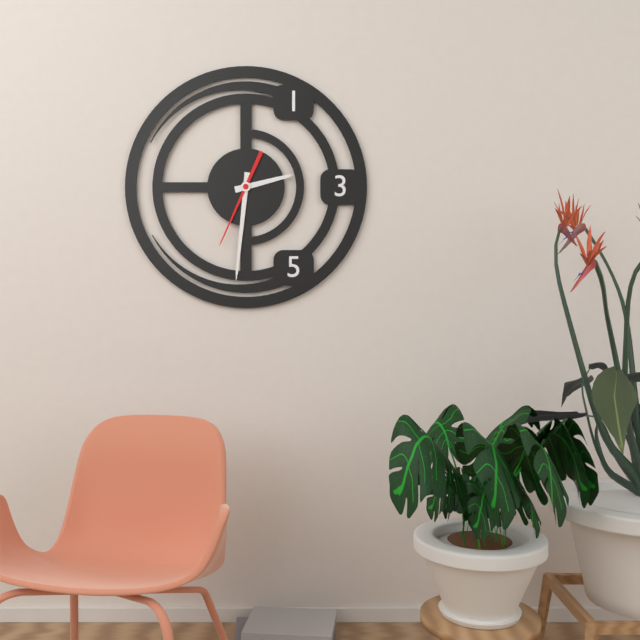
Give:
2h31m34s
